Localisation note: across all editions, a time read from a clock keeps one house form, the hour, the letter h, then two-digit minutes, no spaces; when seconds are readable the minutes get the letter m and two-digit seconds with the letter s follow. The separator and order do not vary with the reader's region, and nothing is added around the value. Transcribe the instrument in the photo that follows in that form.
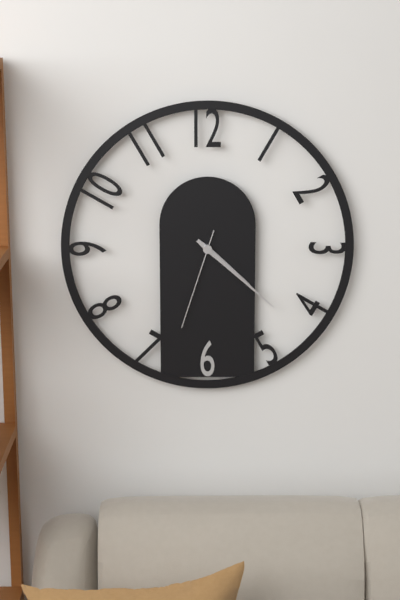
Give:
4h22m33s
